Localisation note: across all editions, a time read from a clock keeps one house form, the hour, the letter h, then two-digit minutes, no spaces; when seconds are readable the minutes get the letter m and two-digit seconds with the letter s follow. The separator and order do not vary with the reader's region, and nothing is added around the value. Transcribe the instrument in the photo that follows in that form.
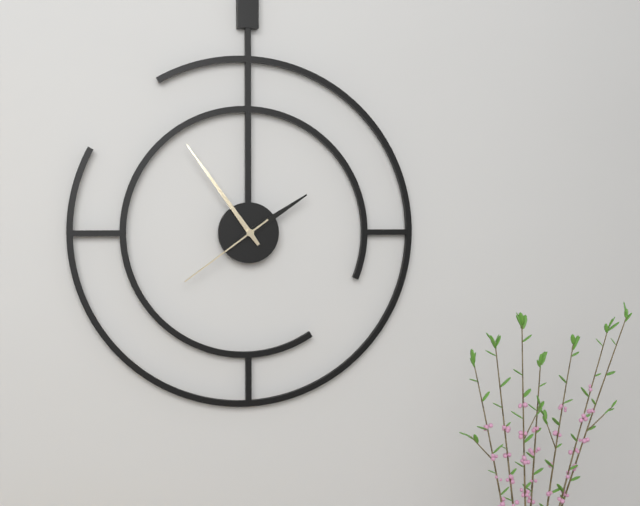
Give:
1h54m39s
